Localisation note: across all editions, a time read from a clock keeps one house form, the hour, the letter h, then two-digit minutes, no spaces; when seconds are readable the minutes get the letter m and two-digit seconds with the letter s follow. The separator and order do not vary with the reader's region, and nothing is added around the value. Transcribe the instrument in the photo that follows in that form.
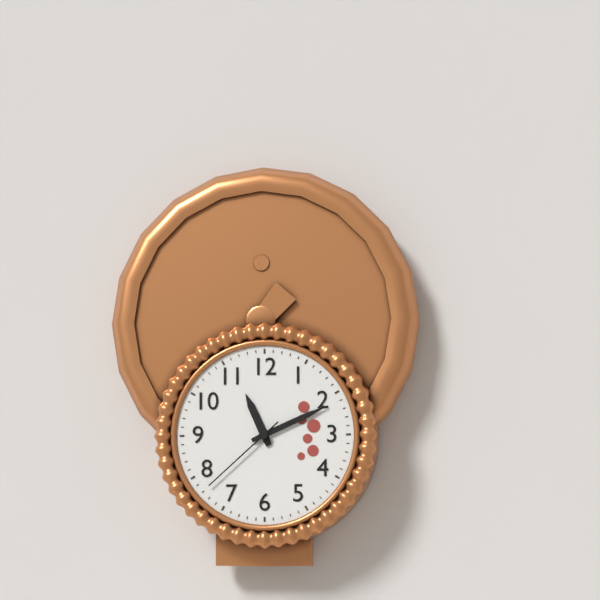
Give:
11h11m38s
